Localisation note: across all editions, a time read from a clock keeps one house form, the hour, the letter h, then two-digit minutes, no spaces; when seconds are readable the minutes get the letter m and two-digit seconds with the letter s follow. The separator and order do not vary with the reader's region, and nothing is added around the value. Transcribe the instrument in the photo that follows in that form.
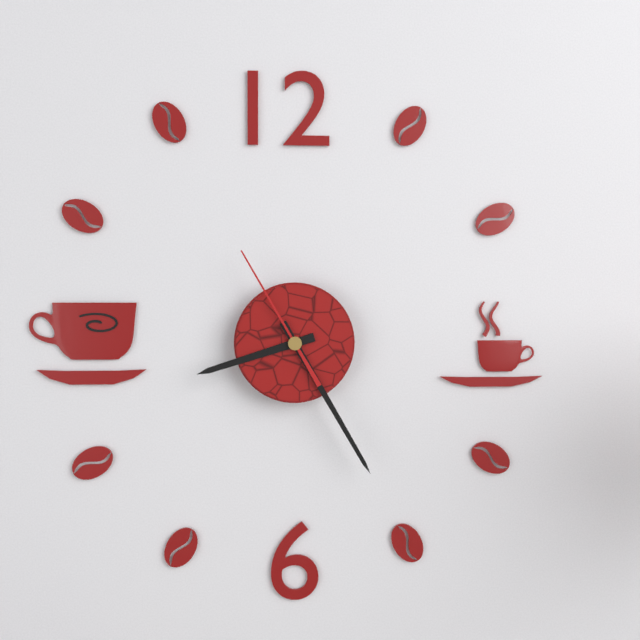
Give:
8h25m55s
